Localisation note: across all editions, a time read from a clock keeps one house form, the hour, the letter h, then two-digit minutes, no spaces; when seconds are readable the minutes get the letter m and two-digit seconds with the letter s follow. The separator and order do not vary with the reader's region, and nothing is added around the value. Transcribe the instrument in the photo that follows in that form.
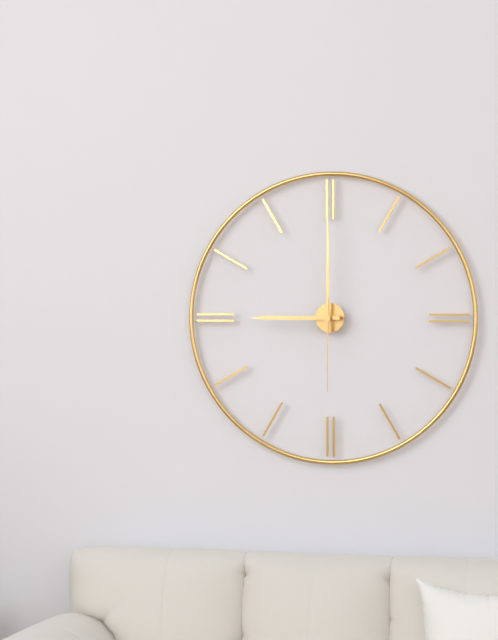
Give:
9h00m30s
